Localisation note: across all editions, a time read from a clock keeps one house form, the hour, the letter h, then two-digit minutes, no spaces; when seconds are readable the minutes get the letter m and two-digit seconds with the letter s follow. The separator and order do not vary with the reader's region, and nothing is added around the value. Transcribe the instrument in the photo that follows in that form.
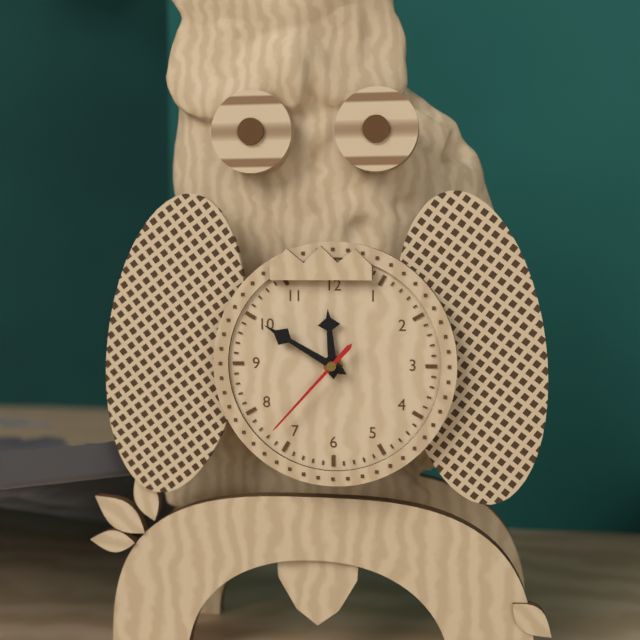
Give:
11h50m37s
